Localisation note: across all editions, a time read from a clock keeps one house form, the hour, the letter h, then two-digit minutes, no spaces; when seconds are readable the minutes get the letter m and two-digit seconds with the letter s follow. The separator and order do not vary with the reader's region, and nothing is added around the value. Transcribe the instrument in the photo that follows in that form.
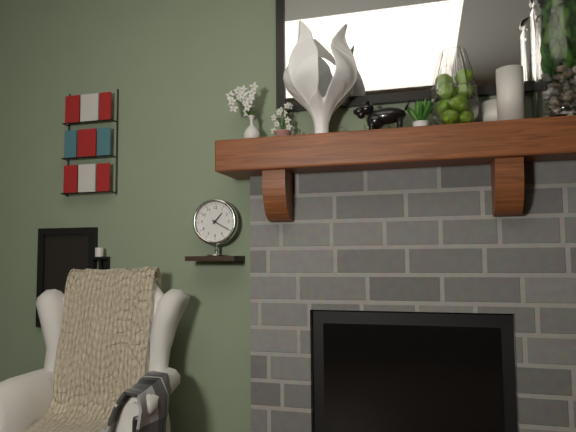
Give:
1h20
